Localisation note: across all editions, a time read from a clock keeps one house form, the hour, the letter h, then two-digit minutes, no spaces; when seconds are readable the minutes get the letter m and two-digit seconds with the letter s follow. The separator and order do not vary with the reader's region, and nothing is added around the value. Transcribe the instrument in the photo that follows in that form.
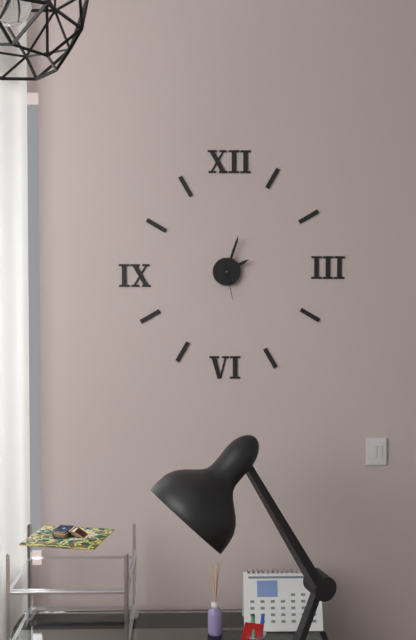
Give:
2h03
